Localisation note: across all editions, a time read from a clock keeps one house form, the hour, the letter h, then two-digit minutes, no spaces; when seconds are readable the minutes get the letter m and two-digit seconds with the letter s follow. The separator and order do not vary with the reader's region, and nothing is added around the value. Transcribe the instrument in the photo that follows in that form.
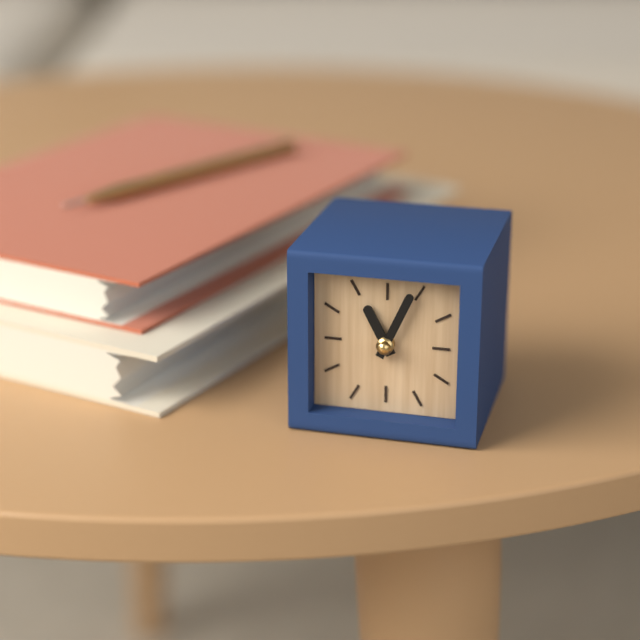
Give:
11h04
